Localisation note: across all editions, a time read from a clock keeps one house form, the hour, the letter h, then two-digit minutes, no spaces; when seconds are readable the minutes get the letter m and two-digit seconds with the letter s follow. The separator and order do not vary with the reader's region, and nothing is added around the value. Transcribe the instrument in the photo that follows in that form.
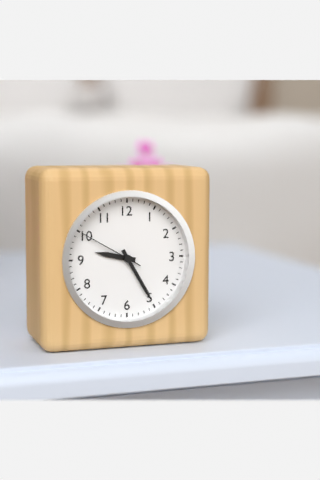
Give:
9h25m50s
